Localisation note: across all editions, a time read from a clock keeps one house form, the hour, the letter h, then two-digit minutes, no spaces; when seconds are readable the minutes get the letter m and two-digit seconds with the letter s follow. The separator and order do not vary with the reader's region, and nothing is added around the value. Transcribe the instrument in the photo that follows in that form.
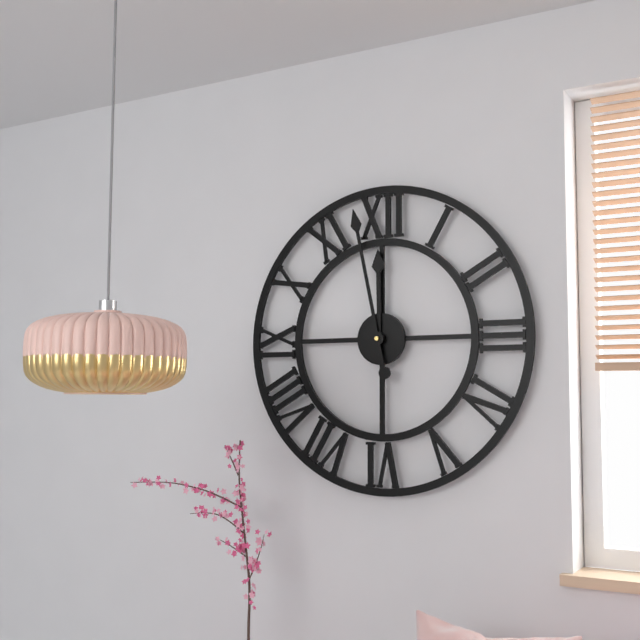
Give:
11h58
